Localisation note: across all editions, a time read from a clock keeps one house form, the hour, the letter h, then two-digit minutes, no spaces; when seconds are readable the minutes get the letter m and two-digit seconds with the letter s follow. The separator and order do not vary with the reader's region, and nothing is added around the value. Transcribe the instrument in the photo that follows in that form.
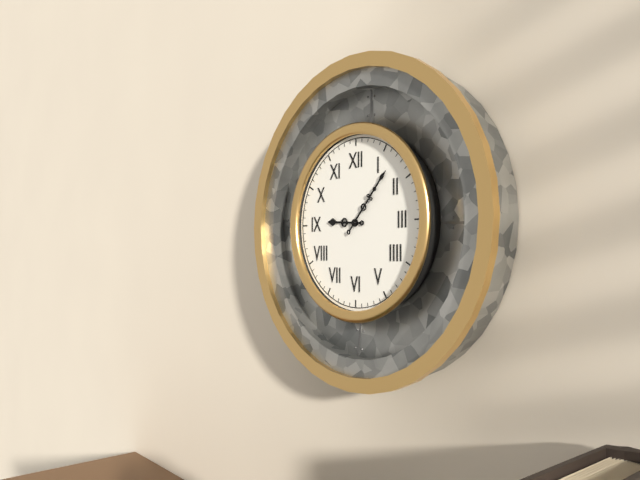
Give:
9h07
